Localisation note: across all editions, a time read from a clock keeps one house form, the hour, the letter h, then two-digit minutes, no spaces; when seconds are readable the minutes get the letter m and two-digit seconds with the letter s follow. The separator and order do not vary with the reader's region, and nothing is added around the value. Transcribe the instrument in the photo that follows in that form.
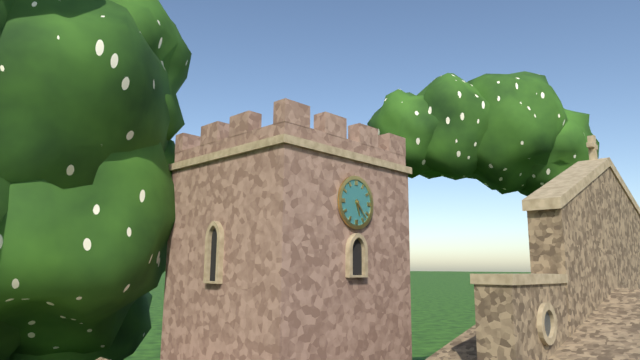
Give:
5h23
